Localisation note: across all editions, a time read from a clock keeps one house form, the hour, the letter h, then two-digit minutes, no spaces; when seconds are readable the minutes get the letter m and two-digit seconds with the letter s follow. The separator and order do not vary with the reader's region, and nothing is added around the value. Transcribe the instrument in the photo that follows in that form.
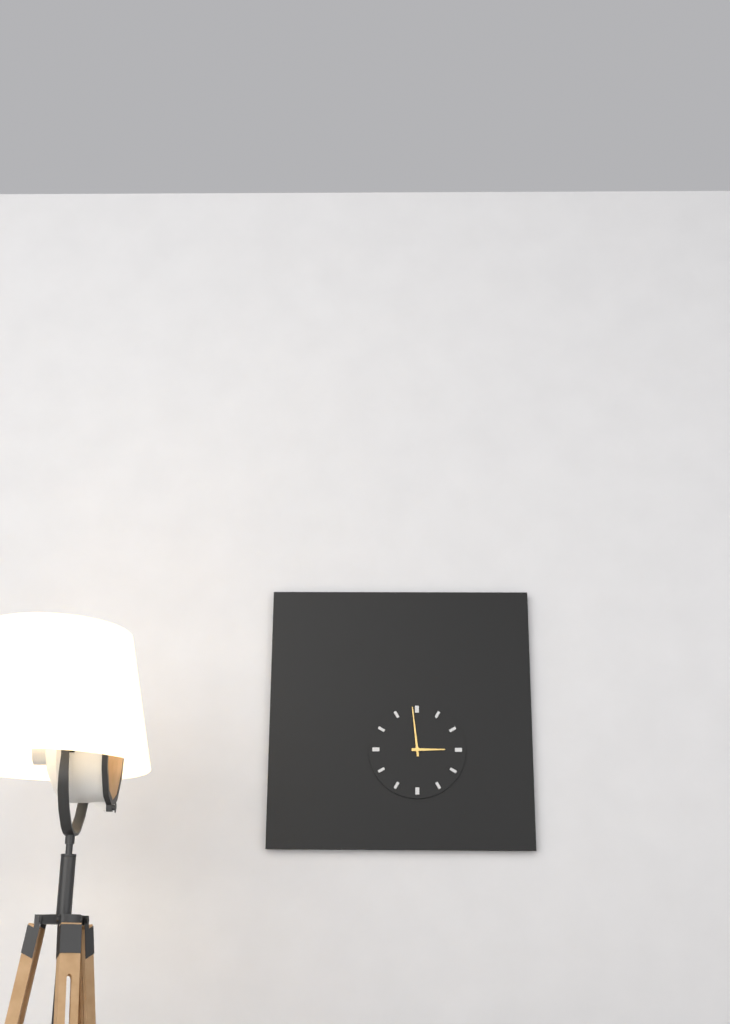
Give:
2h59
